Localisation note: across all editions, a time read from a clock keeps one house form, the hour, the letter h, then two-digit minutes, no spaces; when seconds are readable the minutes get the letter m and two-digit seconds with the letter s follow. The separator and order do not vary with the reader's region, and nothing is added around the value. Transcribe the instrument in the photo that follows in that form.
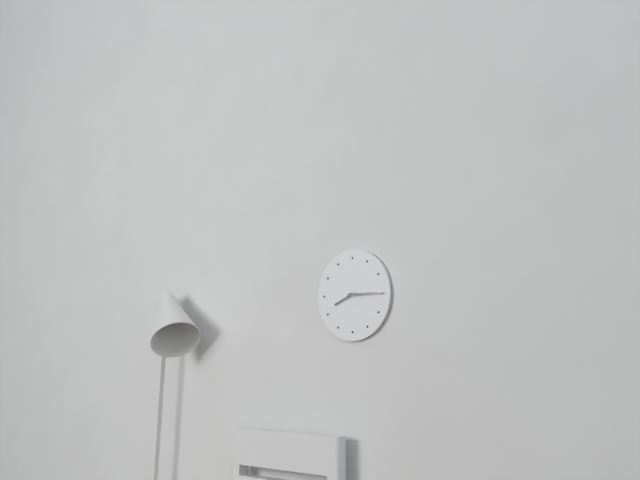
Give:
8h15
